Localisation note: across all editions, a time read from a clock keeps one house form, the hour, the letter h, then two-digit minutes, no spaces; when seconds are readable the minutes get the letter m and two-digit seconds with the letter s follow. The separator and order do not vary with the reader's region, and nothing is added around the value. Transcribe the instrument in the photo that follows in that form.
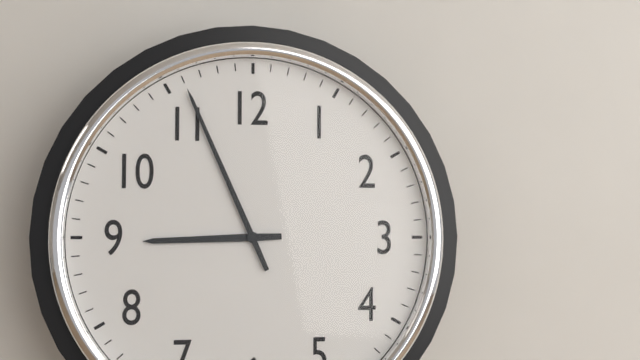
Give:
8h56
